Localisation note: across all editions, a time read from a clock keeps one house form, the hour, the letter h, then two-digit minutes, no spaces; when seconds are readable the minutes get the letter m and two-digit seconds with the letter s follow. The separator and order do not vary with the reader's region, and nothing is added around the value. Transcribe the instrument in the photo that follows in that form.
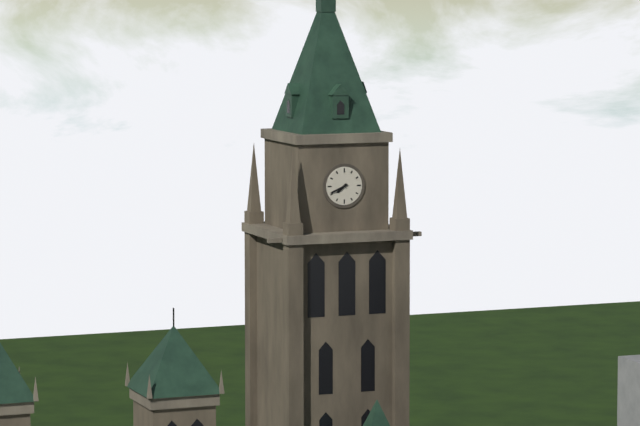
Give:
7h41
